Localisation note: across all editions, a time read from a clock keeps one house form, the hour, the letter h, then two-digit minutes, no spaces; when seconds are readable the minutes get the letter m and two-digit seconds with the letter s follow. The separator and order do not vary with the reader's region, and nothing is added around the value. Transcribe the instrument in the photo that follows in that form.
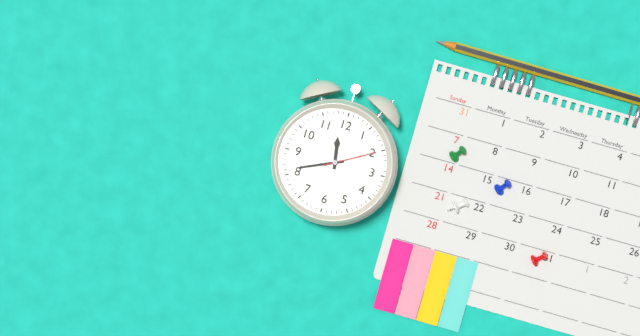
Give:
11h41m10s
